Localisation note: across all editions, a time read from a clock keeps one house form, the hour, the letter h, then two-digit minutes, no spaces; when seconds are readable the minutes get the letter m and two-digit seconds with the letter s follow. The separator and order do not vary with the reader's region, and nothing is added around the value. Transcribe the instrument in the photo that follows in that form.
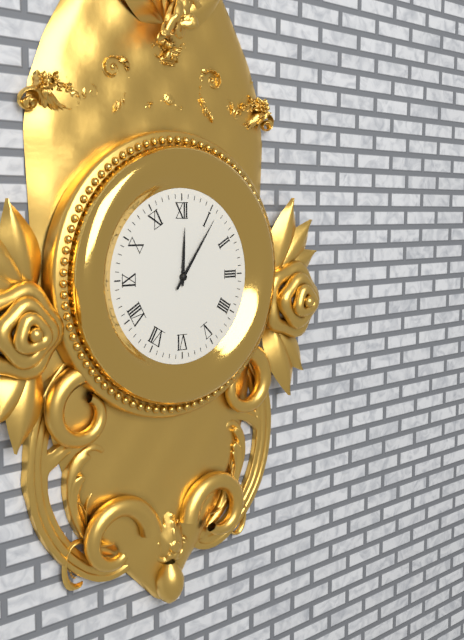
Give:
12h06
